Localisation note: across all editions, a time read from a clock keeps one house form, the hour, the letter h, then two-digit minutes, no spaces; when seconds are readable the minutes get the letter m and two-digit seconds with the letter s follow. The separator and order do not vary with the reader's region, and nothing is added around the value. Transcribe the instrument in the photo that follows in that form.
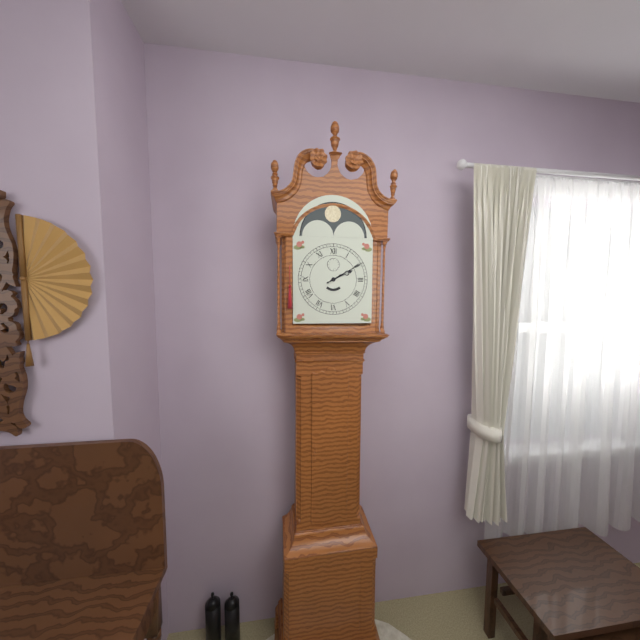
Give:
2h10
